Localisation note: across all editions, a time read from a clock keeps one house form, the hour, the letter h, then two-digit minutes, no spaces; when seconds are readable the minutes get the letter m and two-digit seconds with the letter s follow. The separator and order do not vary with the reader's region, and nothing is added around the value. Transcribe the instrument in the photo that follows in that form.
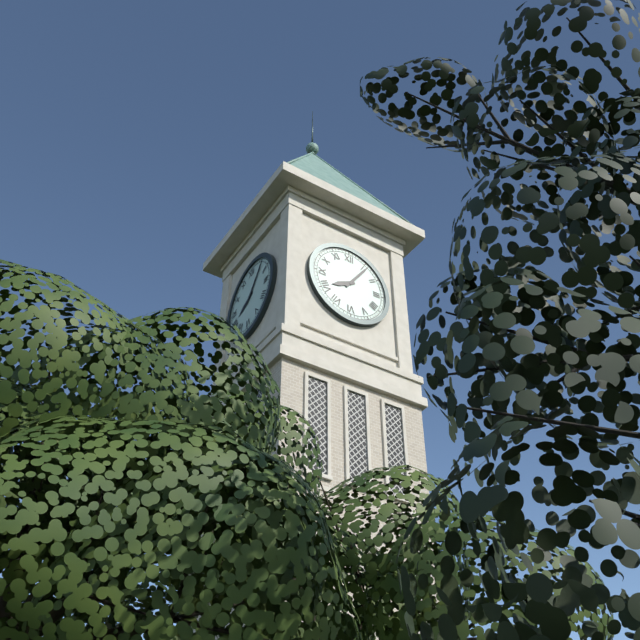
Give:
8h06
